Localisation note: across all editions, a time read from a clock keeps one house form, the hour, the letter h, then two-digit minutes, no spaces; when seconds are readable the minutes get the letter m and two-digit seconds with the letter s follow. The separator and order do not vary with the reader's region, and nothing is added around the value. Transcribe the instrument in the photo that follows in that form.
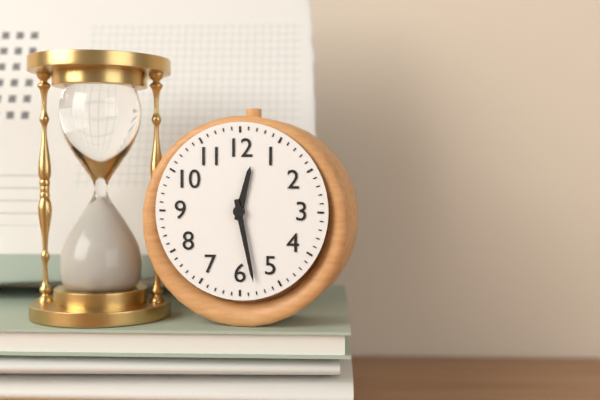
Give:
12h28
